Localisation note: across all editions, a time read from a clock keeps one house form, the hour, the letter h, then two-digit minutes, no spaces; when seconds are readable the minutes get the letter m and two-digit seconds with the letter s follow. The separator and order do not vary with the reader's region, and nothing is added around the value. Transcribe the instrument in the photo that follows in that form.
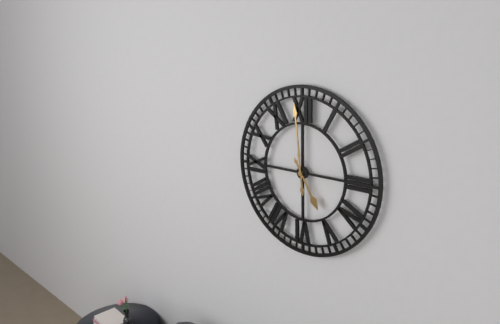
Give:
4h59
